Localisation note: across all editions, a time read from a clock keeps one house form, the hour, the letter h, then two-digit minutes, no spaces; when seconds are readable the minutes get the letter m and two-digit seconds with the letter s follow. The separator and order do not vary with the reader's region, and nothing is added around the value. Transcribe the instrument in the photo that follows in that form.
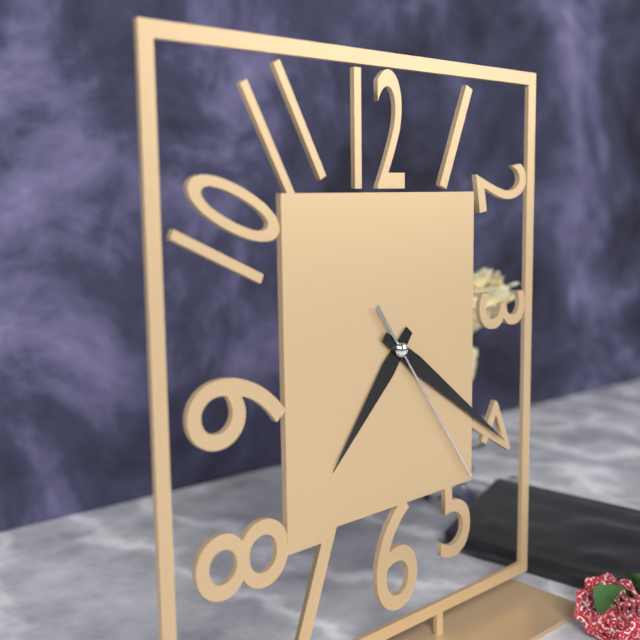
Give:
7h21m24s
